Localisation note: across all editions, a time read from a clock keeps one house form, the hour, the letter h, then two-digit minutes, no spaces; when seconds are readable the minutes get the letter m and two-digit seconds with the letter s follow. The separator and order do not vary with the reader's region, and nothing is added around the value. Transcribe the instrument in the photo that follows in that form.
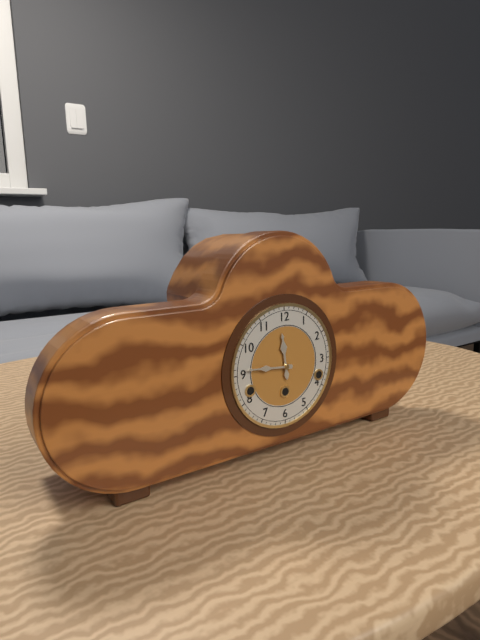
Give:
11h46
